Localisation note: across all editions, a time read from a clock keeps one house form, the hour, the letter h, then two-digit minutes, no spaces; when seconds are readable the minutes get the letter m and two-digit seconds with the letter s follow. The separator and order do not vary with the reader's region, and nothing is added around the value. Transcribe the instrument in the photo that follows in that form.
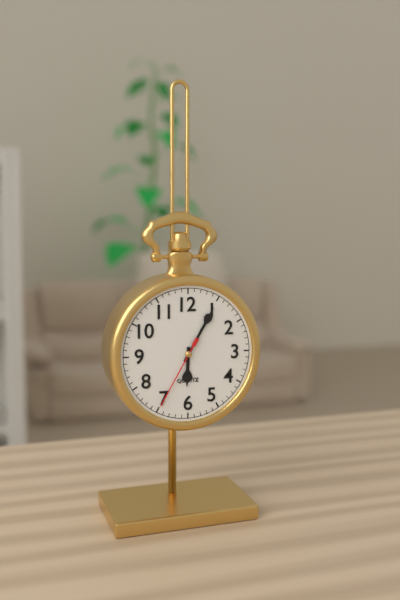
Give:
6h05m35s
